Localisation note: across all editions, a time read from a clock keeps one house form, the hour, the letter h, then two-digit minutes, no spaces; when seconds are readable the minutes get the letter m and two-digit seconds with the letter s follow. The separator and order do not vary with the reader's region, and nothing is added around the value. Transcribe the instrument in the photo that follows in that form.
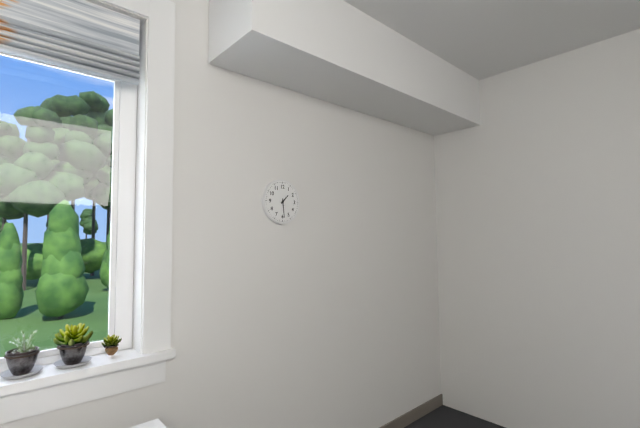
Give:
1h29
